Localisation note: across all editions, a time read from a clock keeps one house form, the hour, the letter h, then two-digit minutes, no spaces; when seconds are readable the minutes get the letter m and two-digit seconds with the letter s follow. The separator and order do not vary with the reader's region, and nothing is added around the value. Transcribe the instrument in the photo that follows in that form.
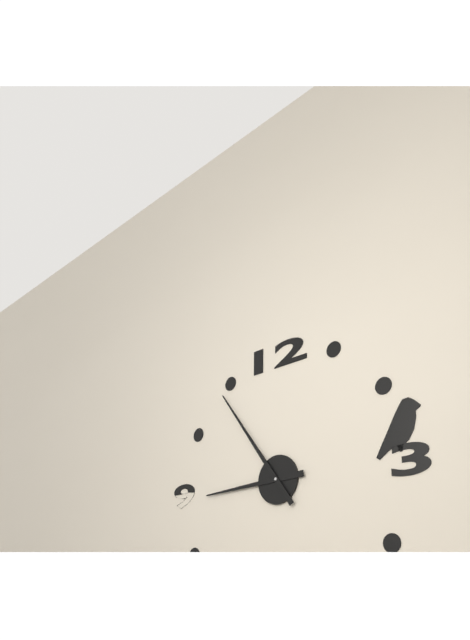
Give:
8h54
